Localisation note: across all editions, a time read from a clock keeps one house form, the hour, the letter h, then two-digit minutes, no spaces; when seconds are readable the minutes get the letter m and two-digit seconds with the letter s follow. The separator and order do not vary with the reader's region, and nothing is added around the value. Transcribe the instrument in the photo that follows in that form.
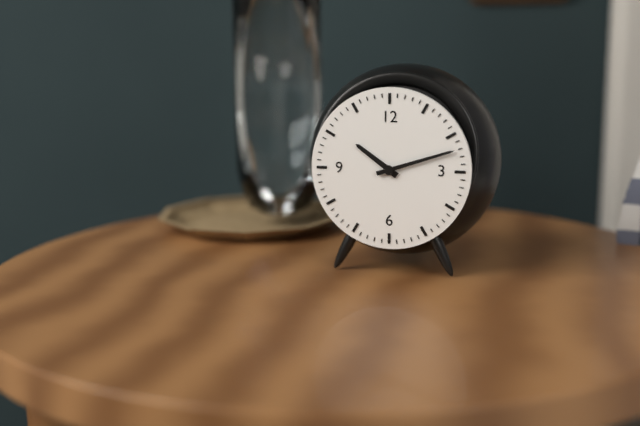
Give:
10h12
